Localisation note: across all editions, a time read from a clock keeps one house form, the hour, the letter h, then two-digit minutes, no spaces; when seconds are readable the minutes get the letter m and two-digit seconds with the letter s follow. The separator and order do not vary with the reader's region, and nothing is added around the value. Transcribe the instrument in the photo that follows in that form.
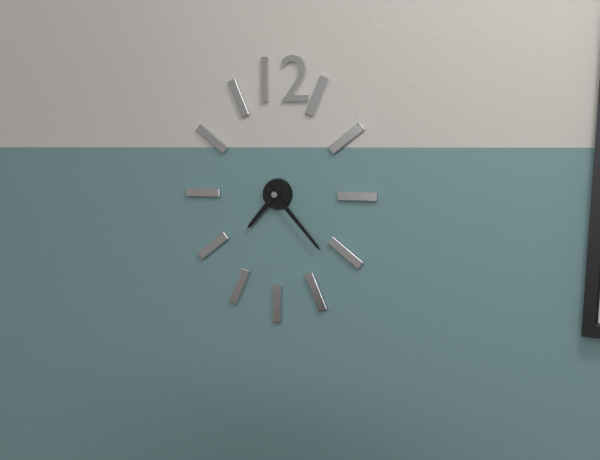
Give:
7h23
